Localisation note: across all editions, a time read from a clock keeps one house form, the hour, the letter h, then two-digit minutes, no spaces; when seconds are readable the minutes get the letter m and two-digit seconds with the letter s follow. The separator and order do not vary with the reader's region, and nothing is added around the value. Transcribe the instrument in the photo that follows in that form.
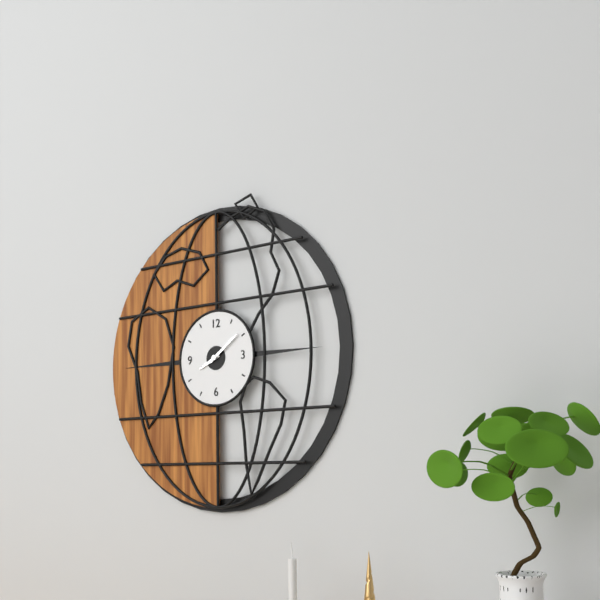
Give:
8h09
